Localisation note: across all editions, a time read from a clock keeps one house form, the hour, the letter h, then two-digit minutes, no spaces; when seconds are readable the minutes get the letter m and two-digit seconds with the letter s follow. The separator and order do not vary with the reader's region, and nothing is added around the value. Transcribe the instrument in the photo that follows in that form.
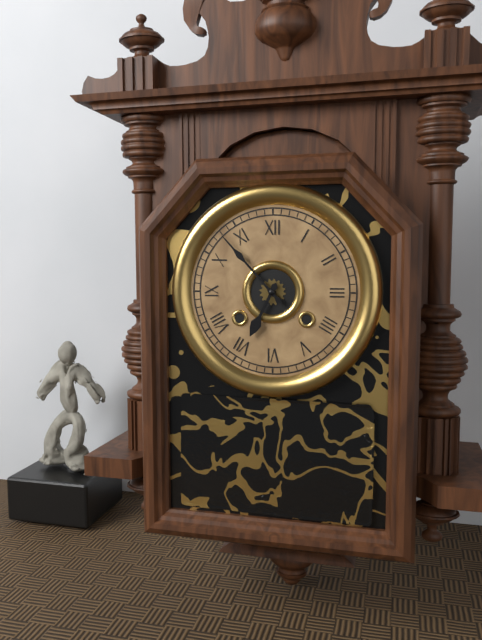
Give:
6h53
